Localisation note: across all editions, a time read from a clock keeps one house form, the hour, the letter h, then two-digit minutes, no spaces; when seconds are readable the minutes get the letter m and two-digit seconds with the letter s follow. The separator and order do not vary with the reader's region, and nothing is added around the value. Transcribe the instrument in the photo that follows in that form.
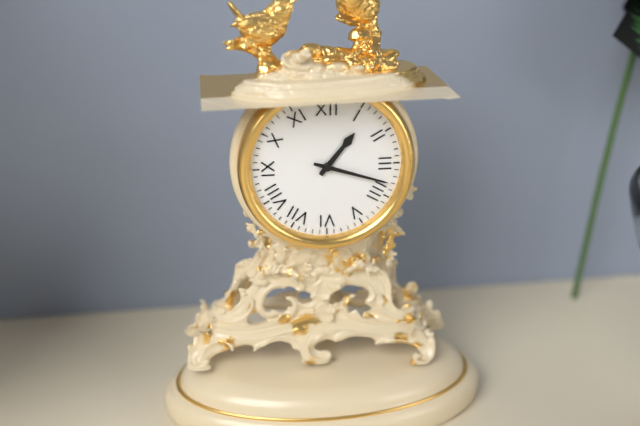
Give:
1h18
